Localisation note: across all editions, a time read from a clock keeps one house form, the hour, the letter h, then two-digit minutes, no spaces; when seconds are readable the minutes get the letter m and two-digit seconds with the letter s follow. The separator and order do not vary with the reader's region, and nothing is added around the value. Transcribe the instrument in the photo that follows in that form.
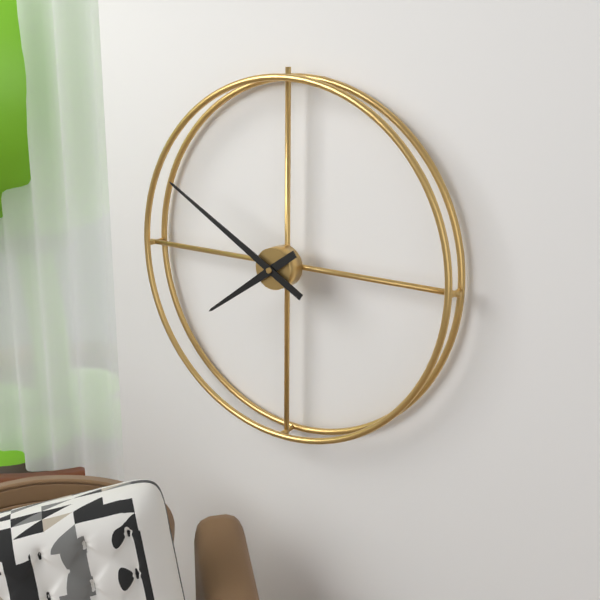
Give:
7h50
